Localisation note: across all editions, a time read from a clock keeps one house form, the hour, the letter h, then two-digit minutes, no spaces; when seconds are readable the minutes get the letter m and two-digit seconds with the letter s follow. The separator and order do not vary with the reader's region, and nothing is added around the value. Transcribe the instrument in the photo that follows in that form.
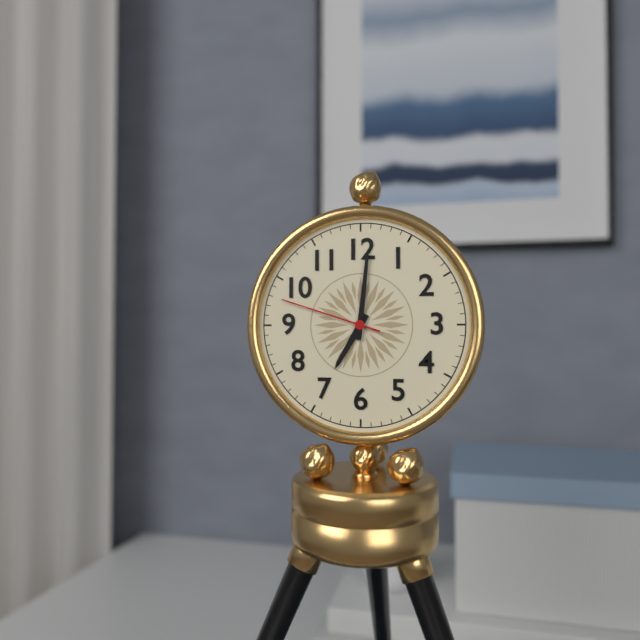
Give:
7h01m48s
